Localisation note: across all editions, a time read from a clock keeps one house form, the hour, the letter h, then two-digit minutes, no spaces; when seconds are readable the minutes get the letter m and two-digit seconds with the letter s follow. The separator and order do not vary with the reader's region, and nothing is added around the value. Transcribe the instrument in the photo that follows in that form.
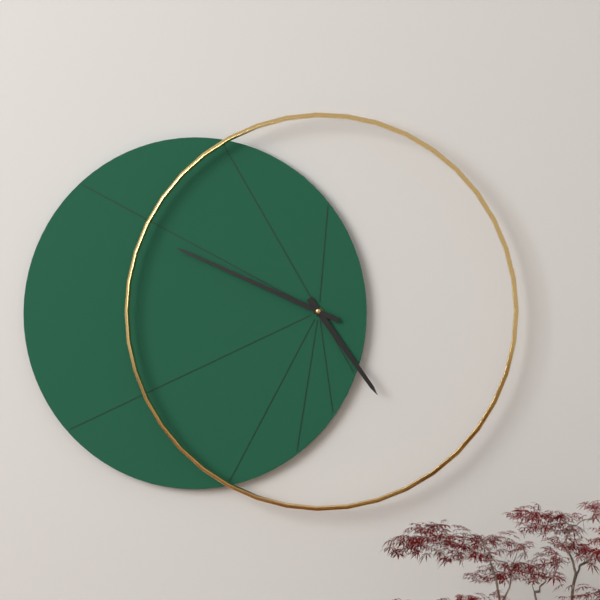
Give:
4h49
